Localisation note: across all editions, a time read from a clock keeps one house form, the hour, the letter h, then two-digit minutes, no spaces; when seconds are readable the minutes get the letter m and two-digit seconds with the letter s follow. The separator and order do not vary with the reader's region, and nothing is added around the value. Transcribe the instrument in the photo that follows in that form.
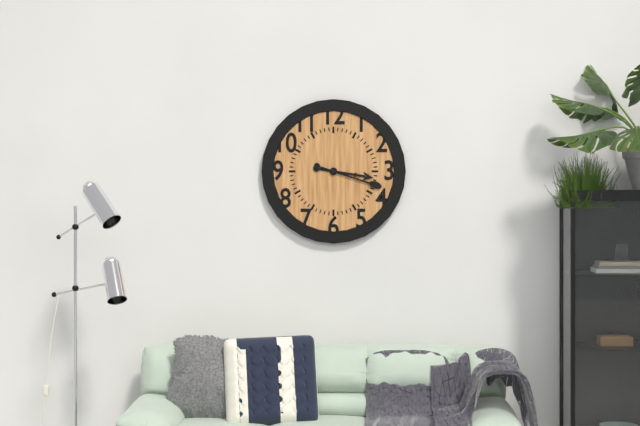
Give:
3h18
